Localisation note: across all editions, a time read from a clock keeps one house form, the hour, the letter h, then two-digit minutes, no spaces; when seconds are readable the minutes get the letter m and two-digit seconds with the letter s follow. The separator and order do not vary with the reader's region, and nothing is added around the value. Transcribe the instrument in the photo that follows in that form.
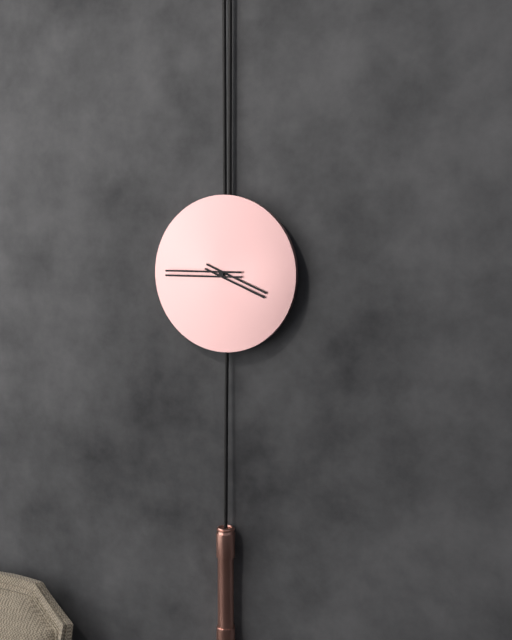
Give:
3h45
